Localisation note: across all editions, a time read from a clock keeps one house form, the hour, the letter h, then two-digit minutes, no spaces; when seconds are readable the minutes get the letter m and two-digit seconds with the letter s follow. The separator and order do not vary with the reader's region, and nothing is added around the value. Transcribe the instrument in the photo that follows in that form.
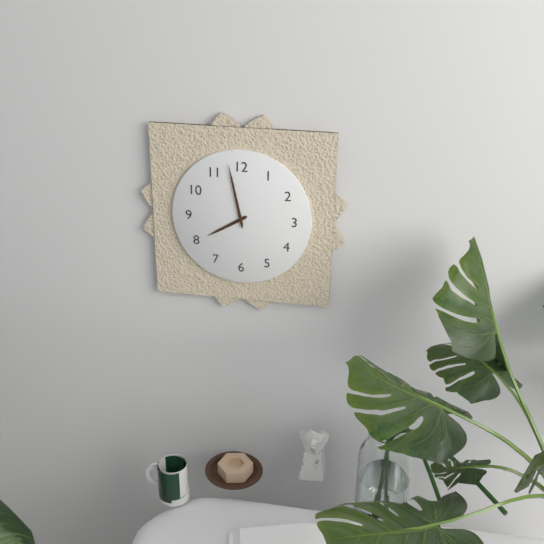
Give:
7h58
